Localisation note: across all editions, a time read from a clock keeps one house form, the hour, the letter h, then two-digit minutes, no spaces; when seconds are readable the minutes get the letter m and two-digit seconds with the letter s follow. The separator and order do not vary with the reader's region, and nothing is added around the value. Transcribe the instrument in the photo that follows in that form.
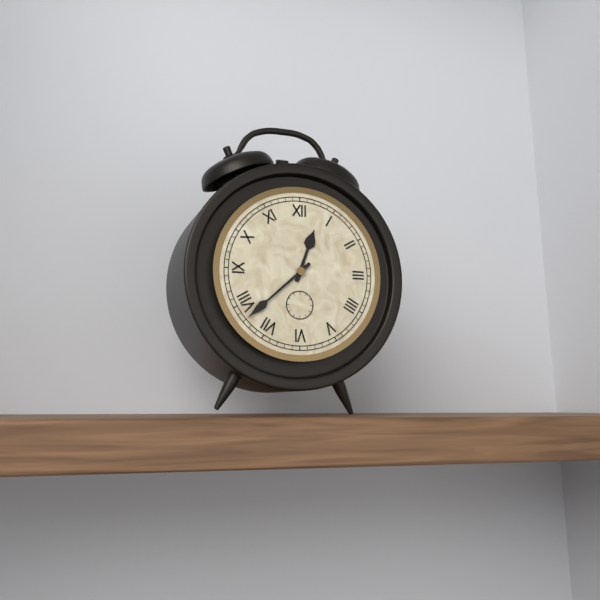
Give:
12h38
